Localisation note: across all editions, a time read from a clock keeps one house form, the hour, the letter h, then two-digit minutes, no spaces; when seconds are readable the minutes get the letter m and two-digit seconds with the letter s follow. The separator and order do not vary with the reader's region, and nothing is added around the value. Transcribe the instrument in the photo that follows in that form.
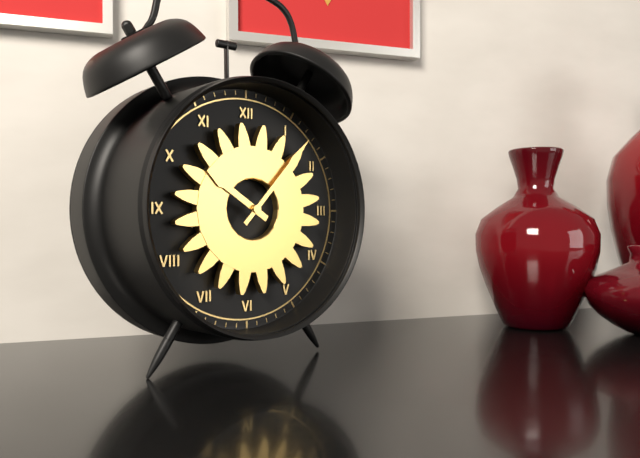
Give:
10h07
